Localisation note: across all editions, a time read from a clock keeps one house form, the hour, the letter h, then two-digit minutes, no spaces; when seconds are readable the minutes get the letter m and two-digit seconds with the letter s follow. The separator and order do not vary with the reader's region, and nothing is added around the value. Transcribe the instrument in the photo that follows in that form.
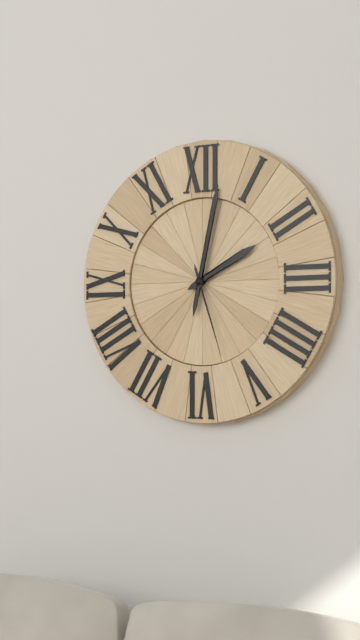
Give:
2h02m27s
